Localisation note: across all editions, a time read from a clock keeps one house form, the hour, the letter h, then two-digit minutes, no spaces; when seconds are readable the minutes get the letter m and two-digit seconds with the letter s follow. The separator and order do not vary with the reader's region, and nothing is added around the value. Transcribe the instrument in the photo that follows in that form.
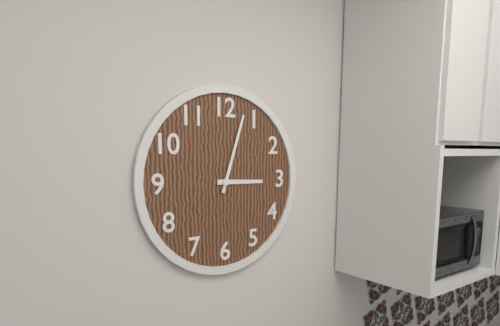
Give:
3h03
